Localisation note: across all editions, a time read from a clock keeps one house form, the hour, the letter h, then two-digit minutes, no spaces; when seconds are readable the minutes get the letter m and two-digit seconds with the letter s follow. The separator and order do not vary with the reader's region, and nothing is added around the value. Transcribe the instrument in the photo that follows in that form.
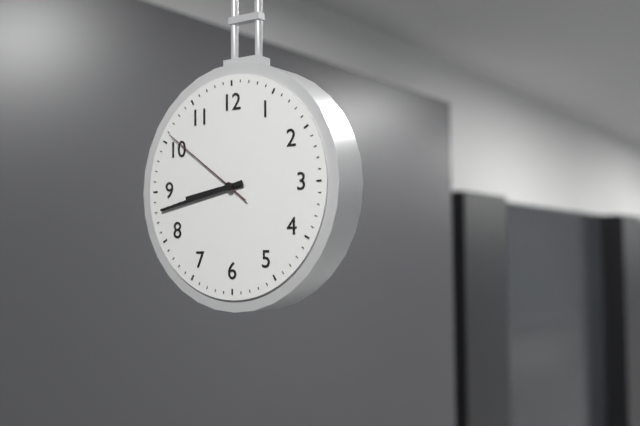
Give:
8h43m51s
